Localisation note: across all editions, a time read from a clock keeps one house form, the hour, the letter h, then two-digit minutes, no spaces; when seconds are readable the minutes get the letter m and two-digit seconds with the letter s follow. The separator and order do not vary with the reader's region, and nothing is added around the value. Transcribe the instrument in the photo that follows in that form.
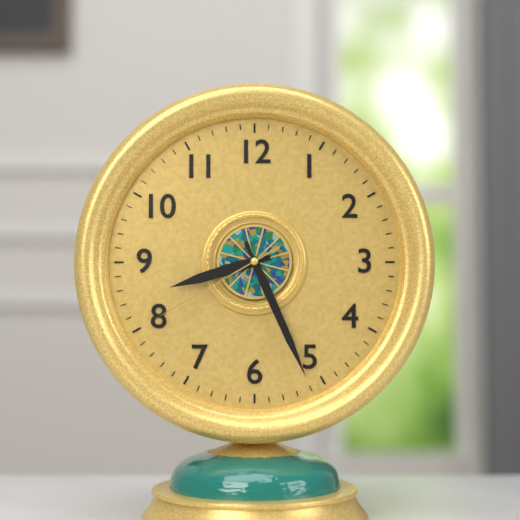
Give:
8h26m40s
